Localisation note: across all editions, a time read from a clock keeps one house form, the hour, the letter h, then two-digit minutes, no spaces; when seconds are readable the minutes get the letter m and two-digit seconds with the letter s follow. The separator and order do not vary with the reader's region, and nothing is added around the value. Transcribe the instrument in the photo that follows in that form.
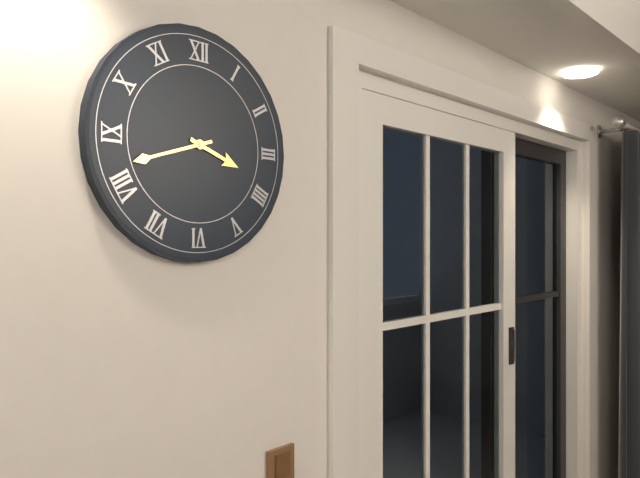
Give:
3h42
